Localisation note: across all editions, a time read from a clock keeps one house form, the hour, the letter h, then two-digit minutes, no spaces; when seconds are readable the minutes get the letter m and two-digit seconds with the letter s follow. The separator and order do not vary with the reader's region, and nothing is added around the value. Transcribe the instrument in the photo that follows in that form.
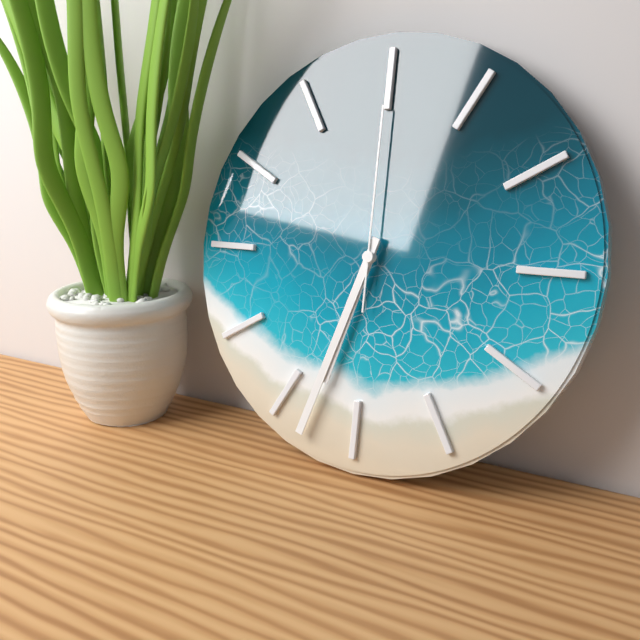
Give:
6h33m00s
